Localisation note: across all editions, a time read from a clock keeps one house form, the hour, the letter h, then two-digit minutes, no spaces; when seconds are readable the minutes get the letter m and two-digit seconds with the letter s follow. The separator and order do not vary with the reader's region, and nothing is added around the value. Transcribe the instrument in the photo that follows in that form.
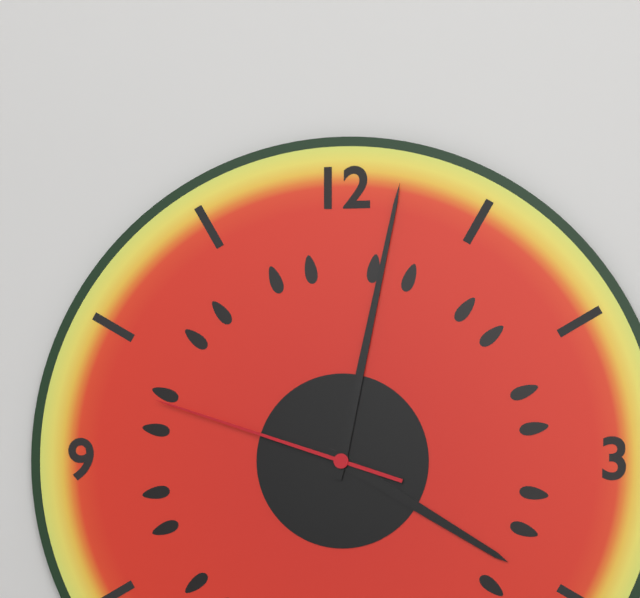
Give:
4h02m48s
